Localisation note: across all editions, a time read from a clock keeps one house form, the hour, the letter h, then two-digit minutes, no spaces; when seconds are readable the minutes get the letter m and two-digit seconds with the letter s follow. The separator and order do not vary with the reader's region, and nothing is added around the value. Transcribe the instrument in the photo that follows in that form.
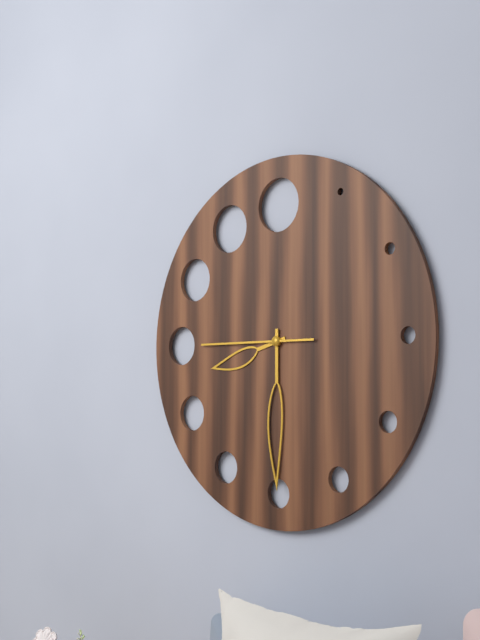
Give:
8h30m45s
